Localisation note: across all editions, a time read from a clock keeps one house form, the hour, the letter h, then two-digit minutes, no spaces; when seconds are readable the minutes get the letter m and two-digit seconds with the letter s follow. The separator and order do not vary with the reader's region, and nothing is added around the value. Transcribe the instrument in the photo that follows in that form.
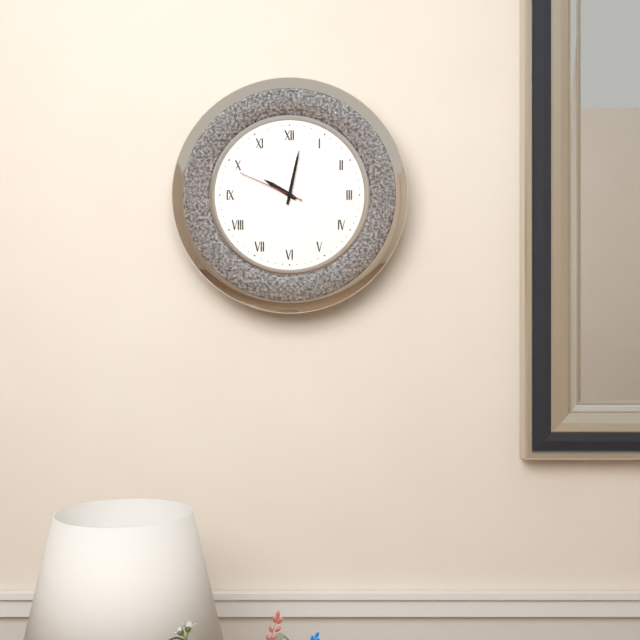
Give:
10h02m49s
